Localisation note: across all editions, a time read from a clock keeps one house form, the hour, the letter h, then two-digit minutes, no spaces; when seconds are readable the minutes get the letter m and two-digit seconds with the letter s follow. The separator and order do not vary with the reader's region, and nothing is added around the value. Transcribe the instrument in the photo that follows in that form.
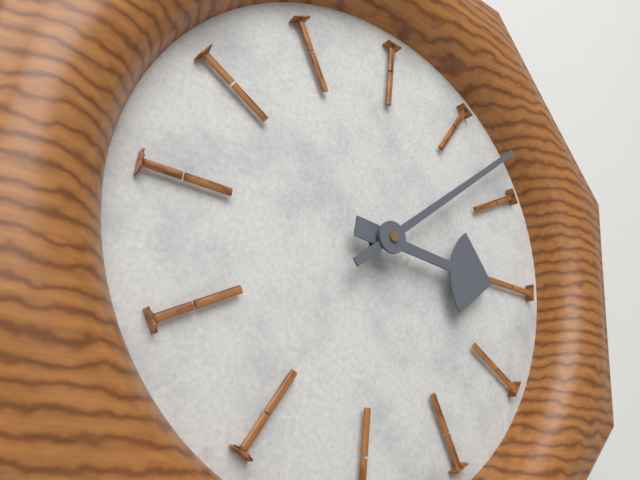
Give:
3h08
